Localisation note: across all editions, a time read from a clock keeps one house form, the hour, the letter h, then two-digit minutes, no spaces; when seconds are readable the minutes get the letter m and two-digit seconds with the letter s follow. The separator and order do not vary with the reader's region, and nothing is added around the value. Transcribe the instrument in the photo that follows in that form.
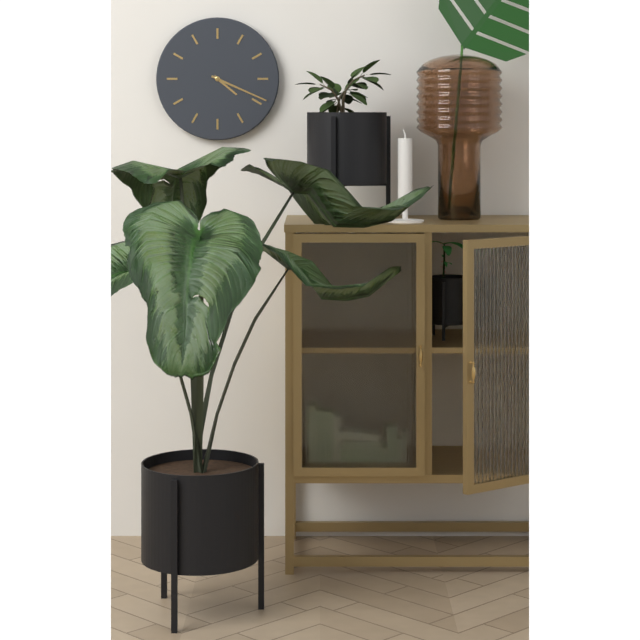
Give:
4h19
